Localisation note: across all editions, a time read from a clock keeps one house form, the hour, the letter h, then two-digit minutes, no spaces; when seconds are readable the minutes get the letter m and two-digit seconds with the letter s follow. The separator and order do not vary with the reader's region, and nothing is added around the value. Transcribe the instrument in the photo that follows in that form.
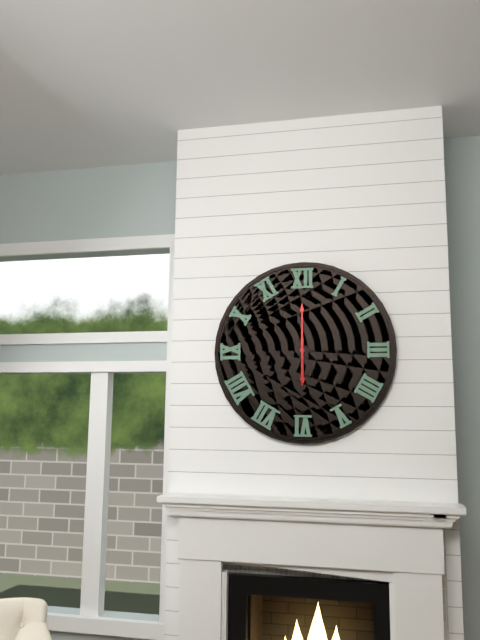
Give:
6h00
